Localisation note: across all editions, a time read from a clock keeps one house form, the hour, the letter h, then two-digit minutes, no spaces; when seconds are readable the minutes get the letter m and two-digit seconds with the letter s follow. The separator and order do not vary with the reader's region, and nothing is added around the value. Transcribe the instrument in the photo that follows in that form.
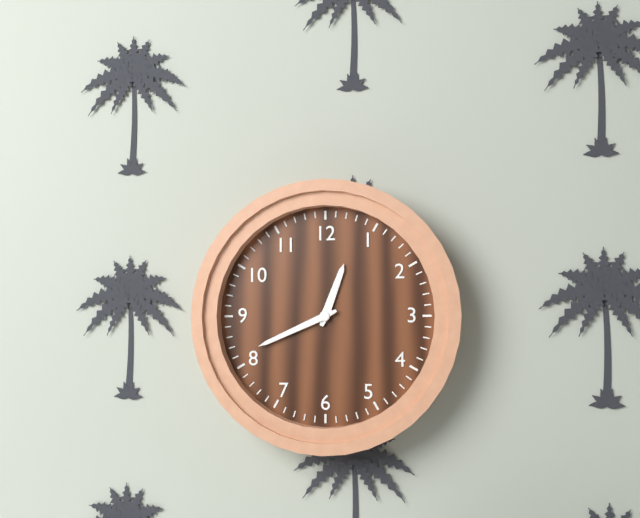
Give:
12h41
